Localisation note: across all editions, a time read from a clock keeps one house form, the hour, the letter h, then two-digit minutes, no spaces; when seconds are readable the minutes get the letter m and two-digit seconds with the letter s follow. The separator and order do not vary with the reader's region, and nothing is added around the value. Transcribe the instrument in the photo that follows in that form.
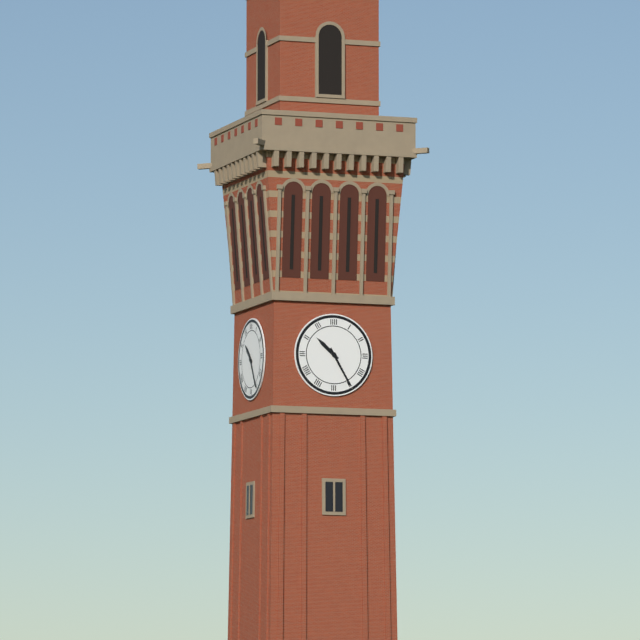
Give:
10h25
